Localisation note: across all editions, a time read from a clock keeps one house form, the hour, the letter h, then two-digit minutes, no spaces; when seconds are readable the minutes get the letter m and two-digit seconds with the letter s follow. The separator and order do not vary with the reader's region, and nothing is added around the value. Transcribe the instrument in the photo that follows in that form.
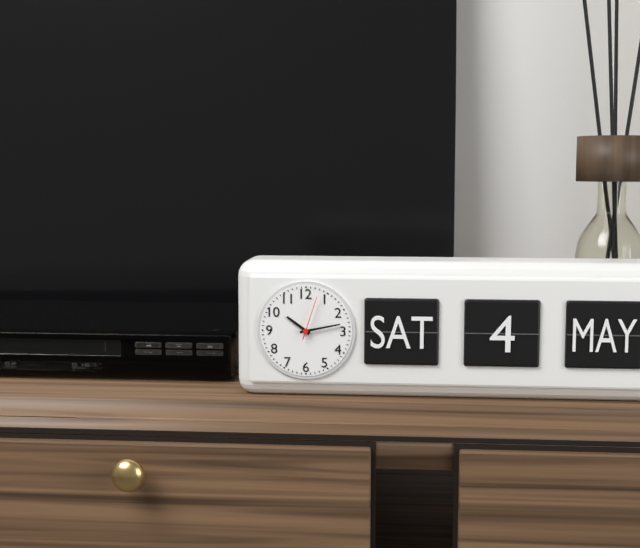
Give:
10h13
